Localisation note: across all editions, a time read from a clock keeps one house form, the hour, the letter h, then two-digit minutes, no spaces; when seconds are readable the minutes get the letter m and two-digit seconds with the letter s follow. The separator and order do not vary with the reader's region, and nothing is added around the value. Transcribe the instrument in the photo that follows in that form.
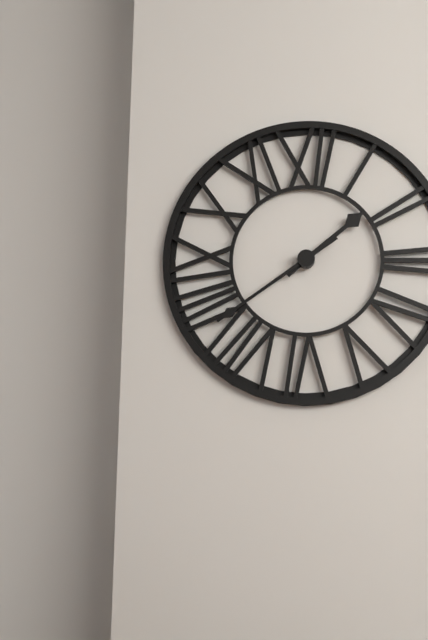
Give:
1h39
